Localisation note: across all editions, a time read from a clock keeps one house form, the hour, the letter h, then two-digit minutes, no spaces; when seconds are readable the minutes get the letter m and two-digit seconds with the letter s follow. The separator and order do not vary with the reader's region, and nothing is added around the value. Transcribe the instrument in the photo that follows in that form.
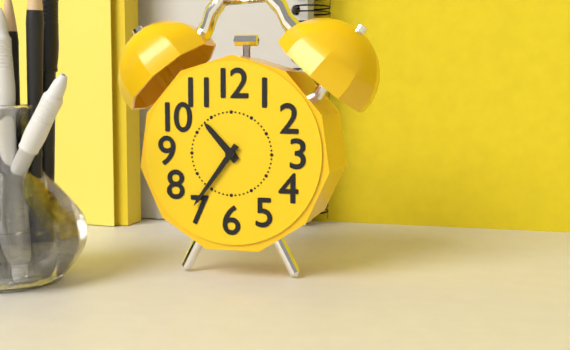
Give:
10h36
